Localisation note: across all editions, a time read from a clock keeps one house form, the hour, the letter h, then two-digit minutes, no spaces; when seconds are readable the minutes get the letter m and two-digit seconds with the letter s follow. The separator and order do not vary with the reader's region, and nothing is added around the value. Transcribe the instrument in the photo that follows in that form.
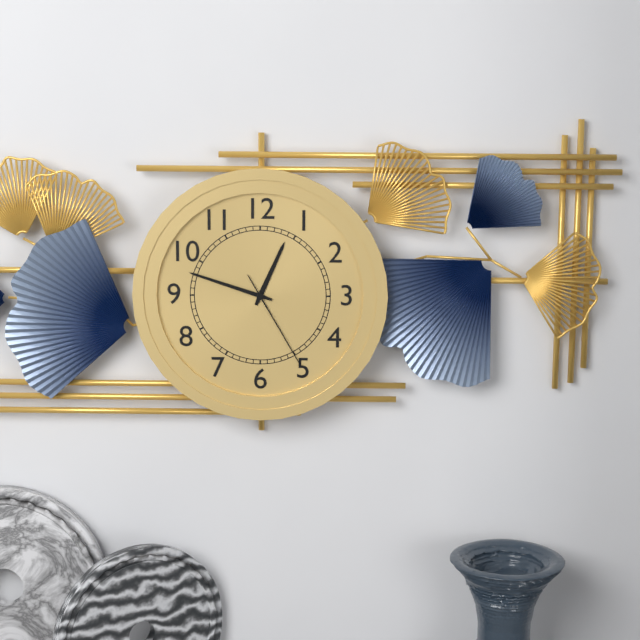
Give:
12h48m25s
